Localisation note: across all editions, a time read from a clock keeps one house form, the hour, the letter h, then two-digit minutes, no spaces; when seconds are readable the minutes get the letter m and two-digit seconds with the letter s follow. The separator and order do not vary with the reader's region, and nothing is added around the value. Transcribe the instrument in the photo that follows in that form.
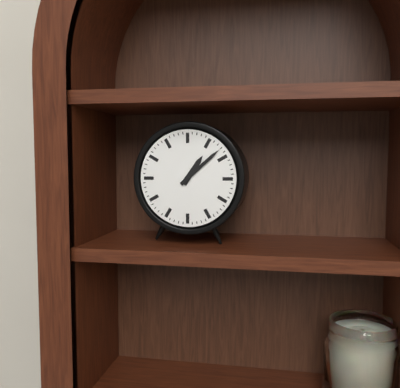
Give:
1h08
